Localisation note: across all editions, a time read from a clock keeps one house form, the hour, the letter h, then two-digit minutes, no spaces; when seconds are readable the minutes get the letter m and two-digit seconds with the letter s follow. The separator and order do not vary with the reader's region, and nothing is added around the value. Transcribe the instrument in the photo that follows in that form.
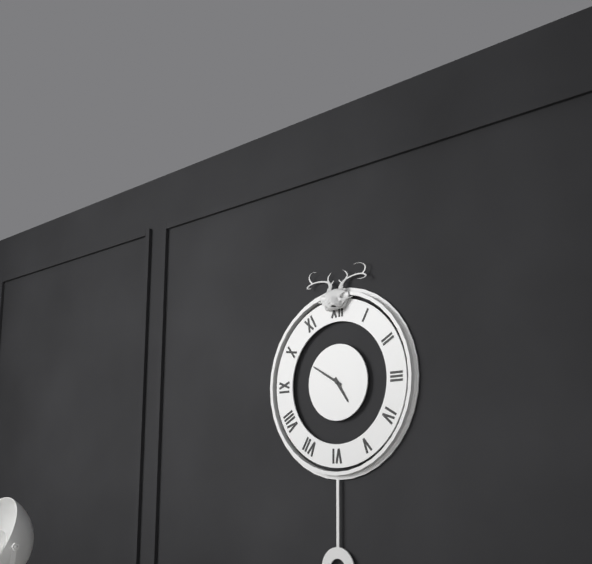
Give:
4h50
